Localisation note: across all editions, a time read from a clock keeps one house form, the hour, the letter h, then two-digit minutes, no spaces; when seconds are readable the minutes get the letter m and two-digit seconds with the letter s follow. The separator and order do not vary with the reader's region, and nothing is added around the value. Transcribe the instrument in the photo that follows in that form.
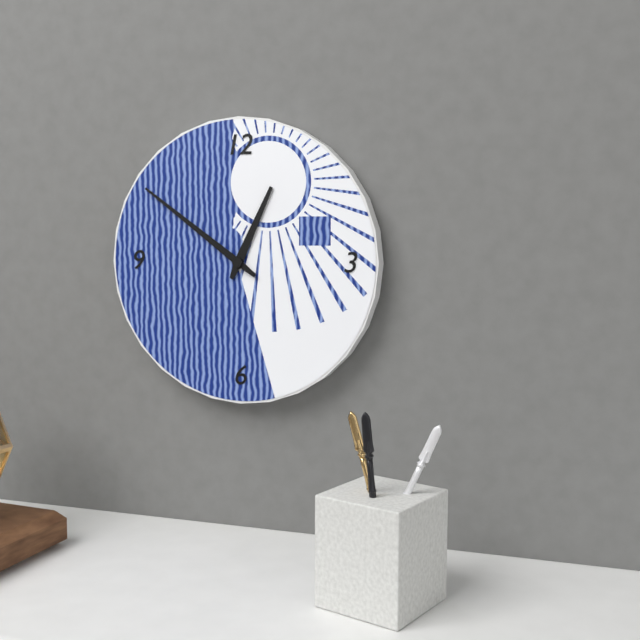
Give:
12h51
